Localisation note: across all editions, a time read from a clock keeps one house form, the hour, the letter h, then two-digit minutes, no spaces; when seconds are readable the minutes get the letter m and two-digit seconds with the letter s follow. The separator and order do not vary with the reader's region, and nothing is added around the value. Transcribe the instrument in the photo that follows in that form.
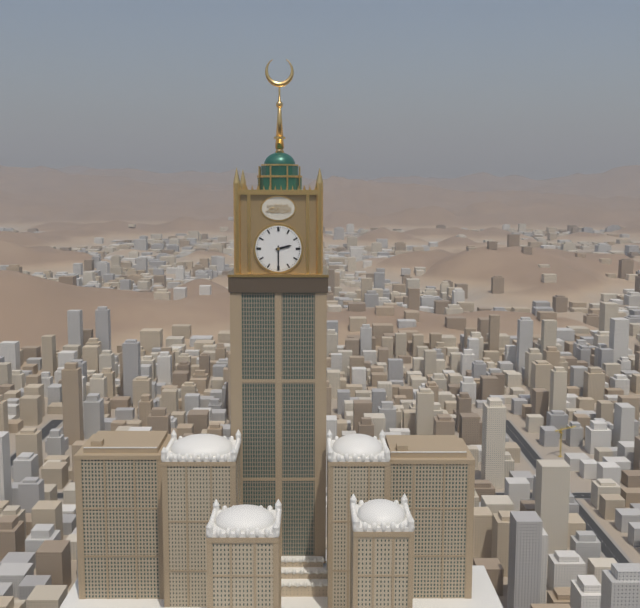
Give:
2h30
